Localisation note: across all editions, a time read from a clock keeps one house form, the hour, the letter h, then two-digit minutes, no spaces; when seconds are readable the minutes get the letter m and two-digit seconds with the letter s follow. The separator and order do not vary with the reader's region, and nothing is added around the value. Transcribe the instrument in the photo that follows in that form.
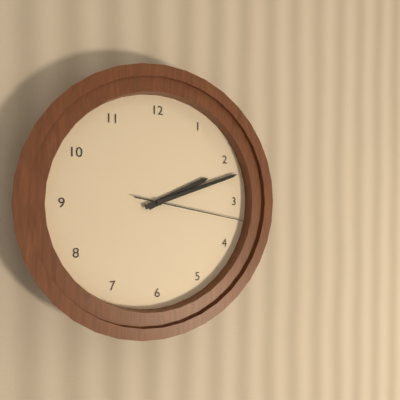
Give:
2h12m17s
